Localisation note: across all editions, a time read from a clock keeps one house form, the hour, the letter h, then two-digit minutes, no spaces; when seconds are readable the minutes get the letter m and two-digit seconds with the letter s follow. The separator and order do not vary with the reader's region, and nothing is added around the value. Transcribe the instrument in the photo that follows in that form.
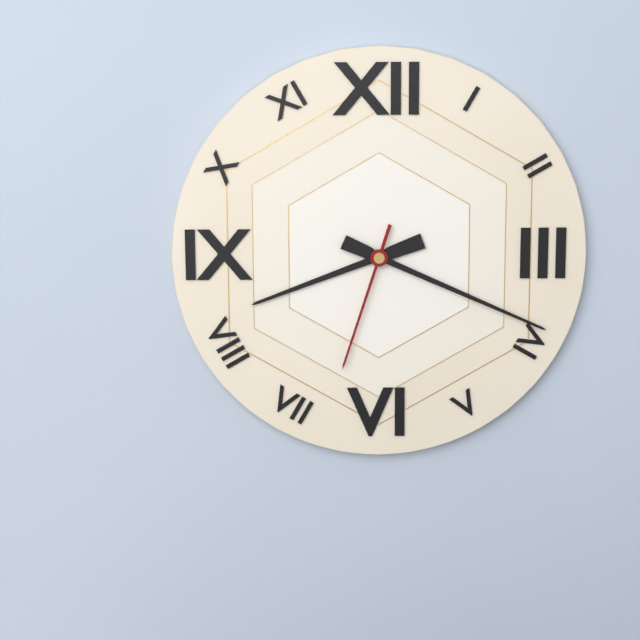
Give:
8h19m33s
